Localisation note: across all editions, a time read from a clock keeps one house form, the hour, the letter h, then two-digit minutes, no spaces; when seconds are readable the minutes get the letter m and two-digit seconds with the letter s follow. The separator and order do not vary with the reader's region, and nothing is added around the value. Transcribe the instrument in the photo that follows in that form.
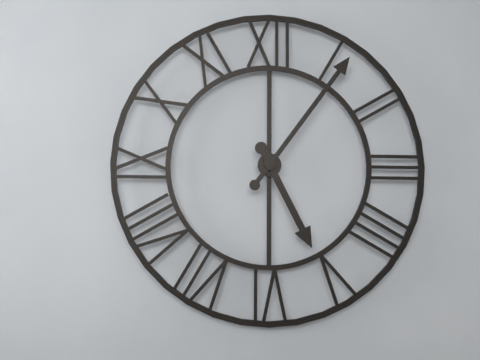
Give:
5h06
